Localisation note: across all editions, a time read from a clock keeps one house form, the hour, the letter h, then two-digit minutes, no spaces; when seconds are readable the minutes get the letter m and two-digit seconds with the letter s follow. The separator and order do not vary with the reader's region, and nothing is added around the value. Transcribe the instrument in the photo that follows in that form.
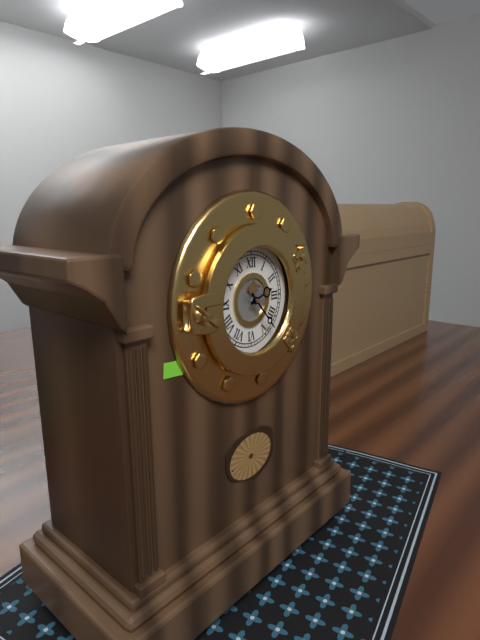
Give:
2h23
